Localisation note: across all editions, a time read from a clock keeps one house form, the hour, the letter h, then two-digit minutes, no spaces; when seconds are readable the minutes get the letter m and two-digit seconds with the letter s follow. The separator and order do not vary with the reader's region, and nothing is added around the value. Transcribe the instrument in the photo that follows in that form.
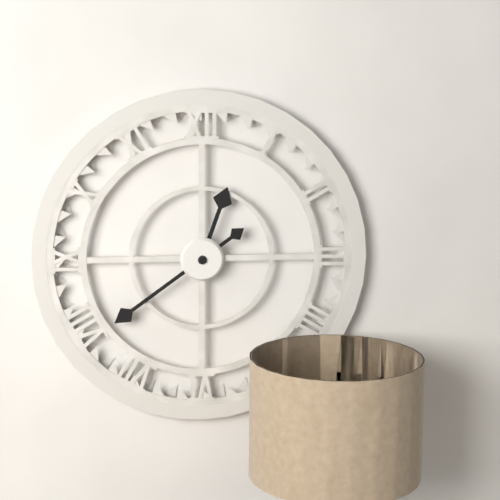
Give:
12h39
